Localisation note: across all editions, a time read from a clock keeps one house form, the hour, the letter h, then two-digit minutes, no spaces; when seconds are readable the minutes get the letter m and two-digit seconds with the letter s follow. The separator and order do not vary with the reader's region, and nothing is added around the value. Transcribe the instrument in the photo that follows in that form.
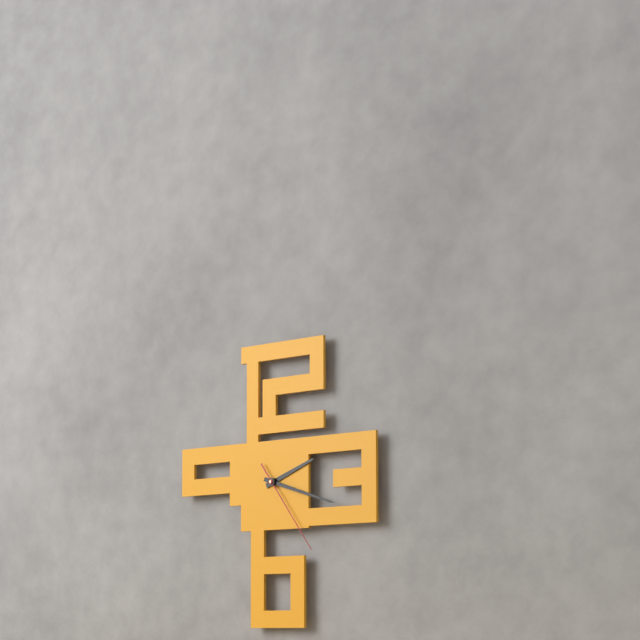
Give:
2h18m24s
